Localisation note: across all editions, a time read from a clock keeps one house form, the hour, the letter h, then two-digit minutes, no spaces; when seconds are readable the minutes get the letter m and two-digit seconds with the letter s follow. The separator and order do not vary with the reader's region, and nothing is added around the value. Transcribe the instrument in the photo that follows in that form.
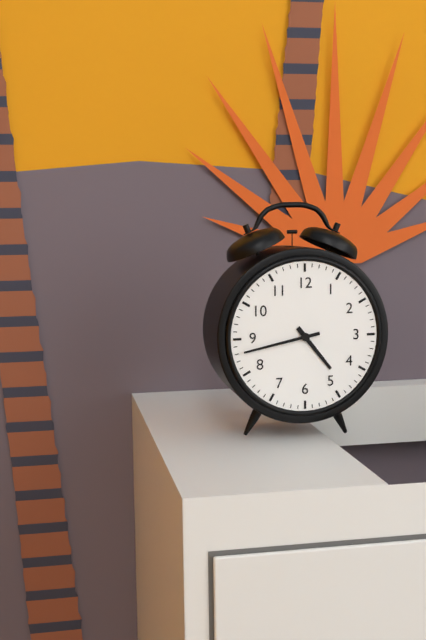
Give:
4h43
